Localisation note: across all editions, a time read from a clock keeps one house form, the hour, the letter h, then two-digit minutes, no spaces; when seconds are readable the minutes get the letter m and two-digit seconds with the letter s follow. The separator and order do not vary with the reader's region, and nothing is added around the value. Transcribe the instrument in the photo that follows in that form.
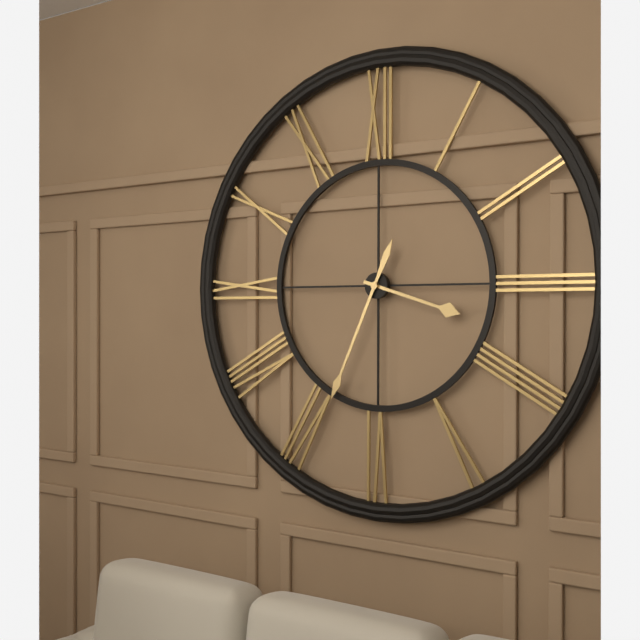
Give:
3h34
